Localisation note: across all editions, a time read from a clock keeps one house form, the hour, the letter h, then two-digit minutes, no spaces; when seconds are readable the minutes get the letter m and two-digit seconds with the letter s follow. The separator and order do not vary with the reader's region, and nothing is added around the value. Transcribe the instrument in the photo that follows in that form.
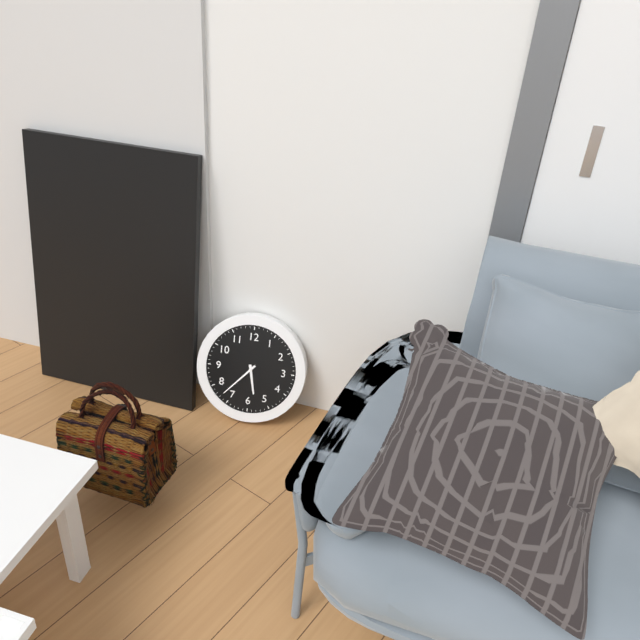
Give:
5h37
